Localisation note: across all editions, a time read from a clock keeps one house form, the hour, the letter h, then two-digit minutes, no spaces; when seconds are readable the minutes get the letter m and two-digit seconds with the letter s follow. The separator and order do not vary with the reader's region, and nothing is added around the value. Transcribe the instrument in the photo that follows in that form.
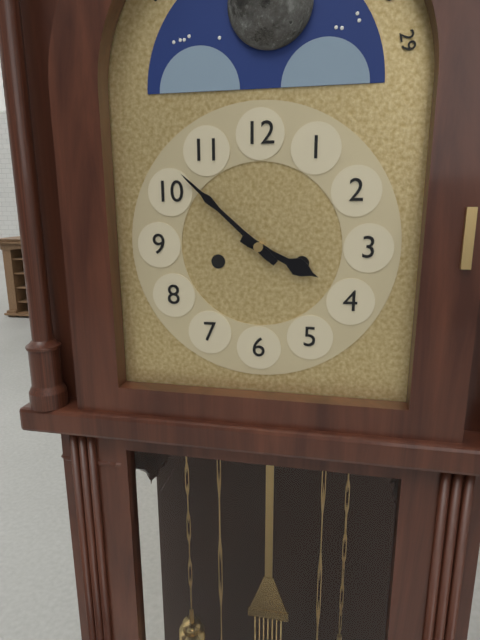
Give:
3h52
